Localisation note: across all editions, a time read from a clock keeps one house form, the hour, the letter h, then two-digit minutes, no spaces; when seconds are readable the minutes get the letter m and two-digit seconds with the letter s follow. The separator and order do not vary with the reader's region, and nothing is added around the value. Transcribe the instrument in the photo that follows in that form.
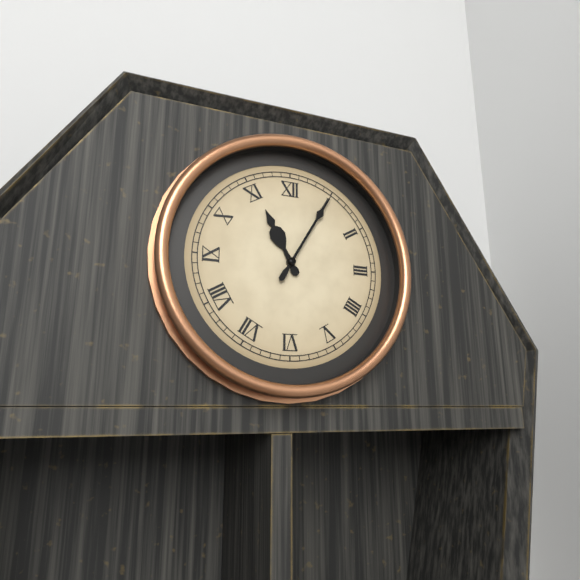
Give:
11h05
